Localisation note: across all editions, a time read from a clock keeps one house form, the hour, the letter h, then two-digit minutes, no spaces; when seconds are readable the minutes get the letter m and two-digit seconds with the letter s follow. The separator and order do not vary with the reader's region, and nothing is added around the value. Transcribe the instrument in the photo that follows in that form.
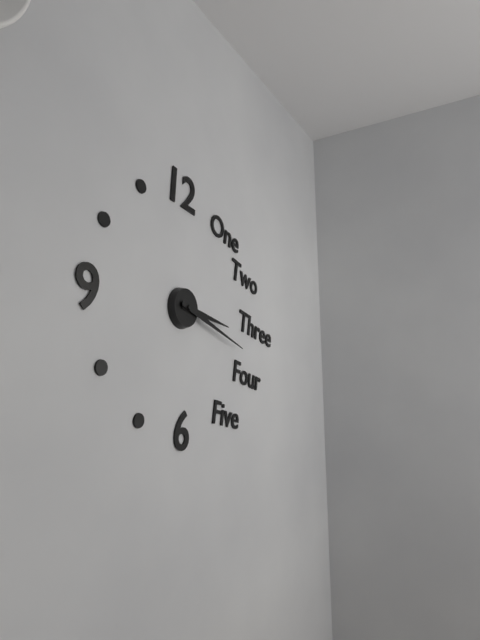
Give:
3h18
